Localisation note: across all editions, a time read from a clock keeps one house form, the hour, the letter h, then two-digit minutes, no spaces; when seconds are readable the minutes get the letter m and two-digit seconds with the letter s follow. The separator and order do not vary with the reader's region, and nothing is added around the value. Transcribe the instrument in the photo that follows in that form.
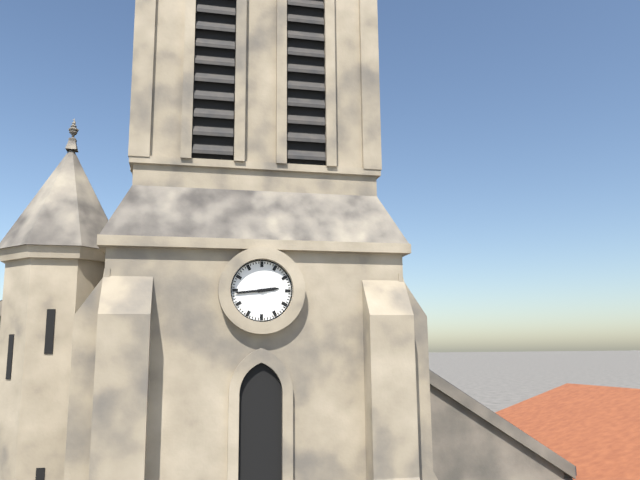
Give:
2h44
